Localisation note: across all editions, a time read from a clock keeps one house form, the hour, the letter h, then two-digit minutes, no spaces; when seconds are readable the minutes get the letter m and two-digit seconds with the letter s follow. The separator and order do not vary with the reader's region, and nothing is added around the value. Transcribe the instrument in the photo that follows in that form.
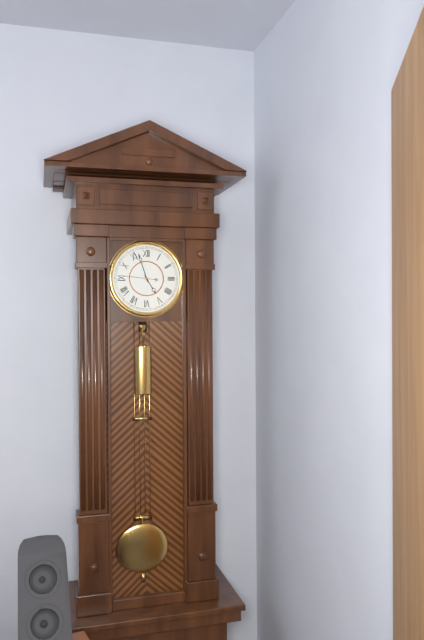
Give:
4h57
